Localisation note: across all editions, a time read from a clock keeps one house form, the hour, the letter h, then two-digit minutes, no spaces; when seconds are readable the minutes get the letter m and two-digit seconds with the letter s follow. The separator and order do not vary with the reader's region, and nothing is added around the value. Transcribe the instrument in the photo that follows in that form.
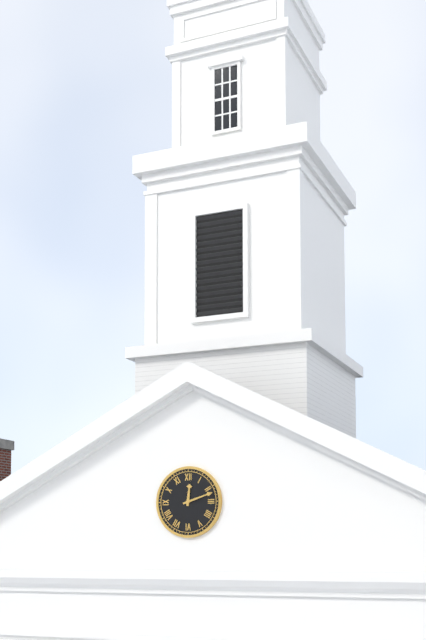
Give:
12h12
